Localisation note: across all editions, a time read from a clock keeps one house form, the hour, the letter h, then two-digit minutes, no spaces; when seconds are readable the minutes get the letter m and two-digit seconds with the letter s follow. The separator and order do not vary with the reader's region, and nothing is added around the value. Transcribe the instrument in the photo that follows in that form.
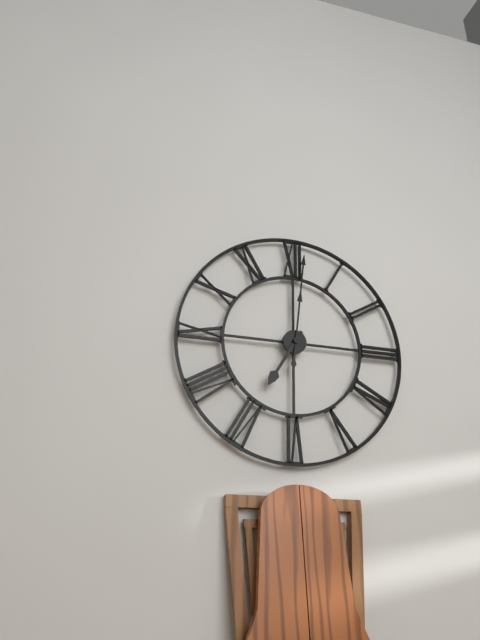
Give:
7h01
